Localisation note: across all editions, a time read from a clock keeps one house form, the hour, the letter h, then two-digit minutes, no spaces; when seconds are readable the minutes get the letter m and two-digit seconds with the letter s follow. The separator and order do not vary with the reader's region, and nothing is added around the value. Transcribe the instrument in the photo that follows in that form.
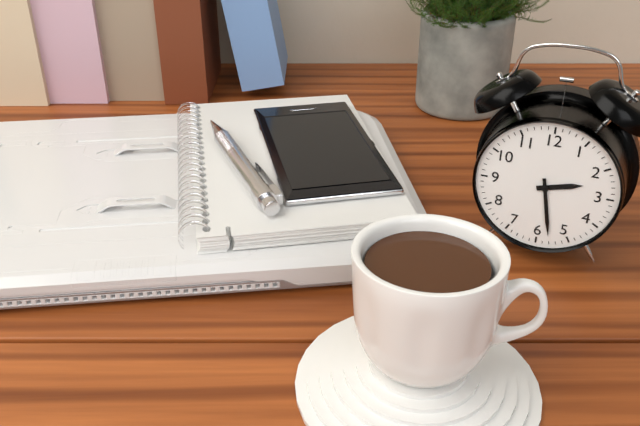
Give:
2h28
